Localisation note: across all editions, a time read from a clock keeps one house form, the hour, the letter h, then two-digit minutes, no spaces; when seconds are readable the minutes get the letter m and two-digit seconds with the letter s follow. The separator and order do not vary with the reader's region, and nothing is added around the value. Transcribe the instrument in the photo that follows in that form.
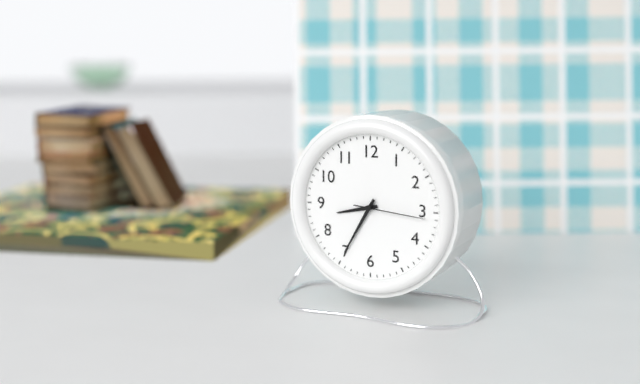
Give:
8h35m16s
